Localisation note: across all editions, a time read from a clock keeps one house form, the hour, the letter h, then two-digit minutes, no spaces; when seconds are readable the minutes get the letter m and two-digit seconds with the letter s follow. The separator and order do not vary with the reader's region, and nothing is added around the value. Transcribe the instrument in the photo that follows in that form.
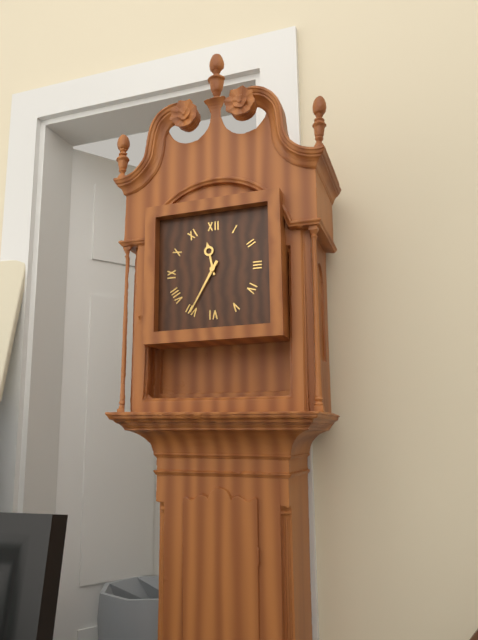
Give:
11h35
